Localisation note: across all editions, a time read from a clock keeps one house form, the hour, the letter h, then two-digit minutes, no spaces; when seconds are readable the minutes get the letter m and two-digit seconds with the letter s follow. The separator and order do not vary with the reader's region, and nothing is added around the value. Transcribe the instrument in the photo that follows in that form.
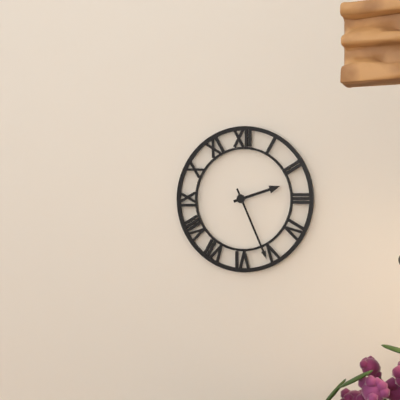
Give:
2h26
